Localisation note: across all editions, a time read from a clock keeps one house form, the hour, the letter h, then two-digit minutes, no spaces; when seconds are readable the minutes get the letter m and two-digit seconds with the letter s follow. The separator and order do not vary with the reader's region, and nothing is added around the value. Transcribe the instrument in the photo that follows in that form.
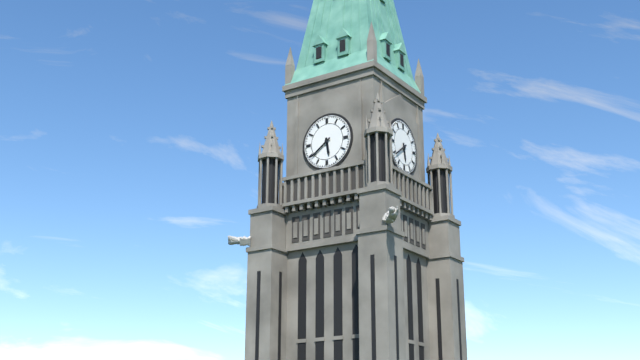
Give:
5h39
